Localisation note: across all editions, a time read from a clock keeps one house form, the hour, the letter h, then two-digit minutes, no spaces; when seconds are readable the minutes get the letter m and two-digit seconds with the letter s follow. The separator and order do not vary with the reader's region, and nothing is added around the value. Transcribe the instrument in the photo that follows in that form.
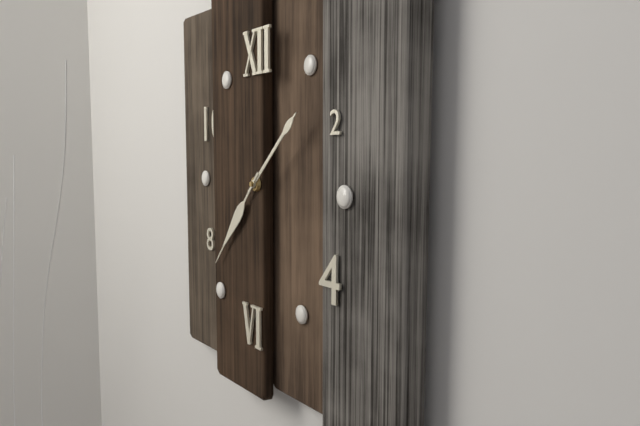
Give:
1h37
